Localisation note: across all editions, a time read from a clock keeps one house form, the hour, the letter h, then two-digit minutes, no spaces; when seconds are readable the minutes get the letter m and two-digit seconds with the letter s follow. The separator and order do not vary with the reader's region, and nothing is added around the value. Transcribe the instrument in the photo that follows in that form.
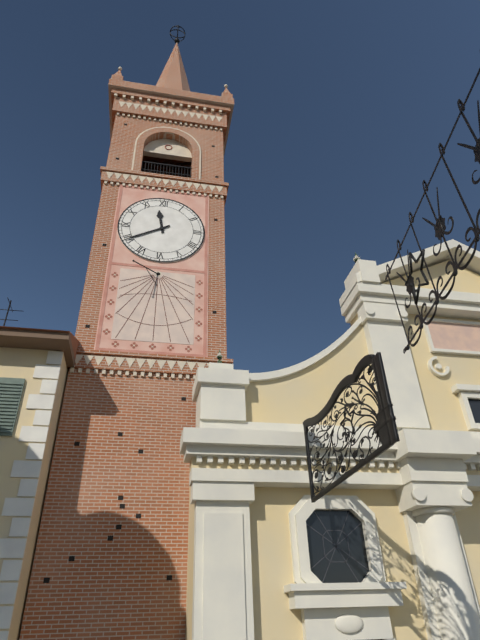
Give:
11h40
